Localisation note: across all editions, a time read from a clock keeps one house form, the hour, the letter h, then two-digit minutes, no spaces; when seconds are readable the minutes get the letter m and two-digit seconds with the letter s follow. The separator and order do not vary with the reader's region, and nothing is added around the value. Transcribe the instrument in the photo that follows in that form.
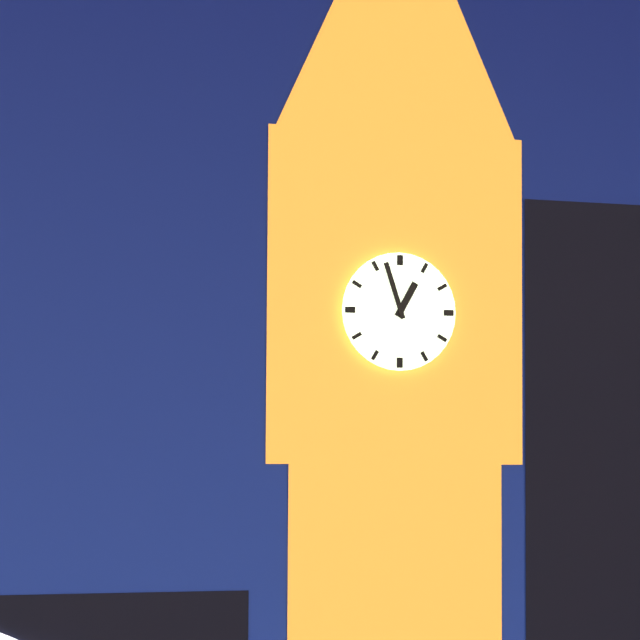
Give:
12h57
